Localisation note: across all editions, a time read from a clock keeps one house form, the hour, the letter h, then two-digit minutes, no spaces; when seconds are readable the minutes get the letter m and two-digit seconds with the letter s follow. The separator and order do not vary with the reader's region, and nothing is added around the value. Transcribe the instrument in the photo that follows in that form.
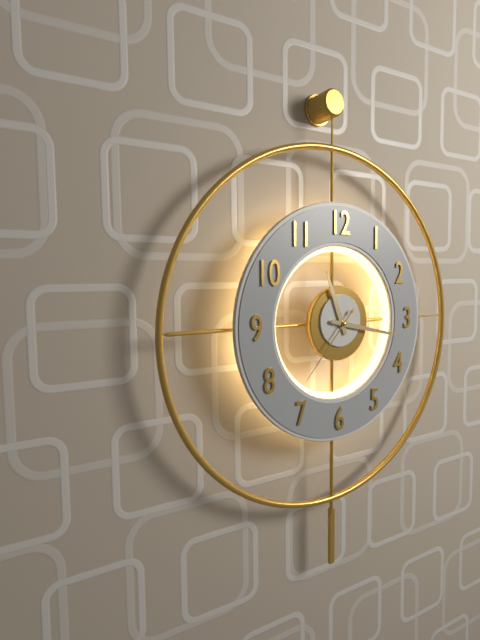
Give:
11h17m37s
